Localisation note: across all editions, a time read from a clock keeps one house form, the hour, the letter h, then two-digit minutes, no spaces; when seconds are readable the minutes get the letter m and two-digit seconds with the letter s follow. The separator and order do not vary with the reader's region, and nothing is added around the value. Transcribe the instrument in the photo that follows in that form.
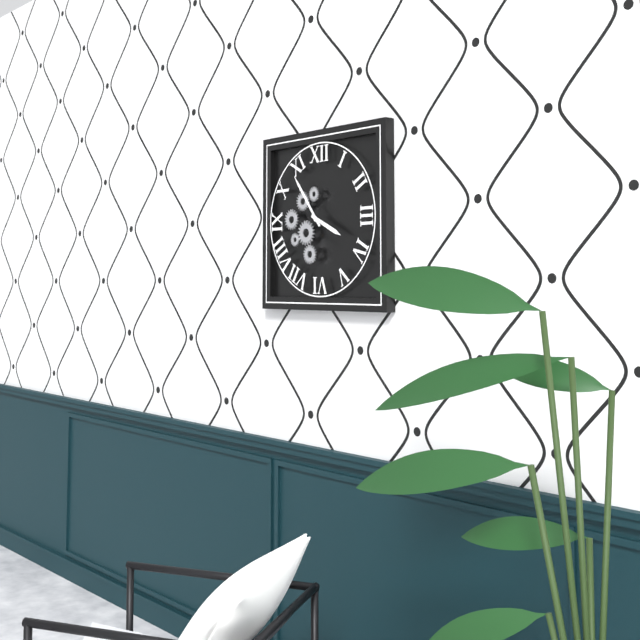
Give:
3h54
